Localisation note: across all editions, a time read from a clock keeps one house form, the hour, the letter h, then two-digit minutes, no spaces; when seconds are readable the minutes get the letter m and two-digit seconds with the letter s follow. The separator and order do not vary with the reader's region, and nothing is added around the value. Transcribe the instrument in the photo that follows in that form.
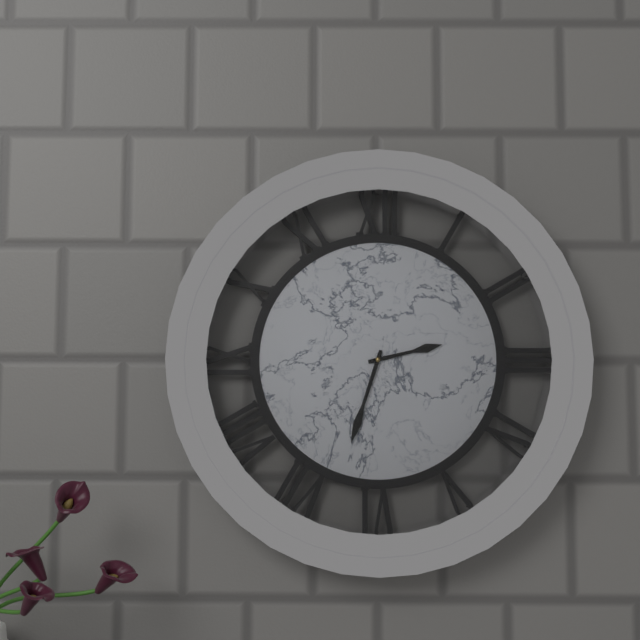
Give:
2h33
